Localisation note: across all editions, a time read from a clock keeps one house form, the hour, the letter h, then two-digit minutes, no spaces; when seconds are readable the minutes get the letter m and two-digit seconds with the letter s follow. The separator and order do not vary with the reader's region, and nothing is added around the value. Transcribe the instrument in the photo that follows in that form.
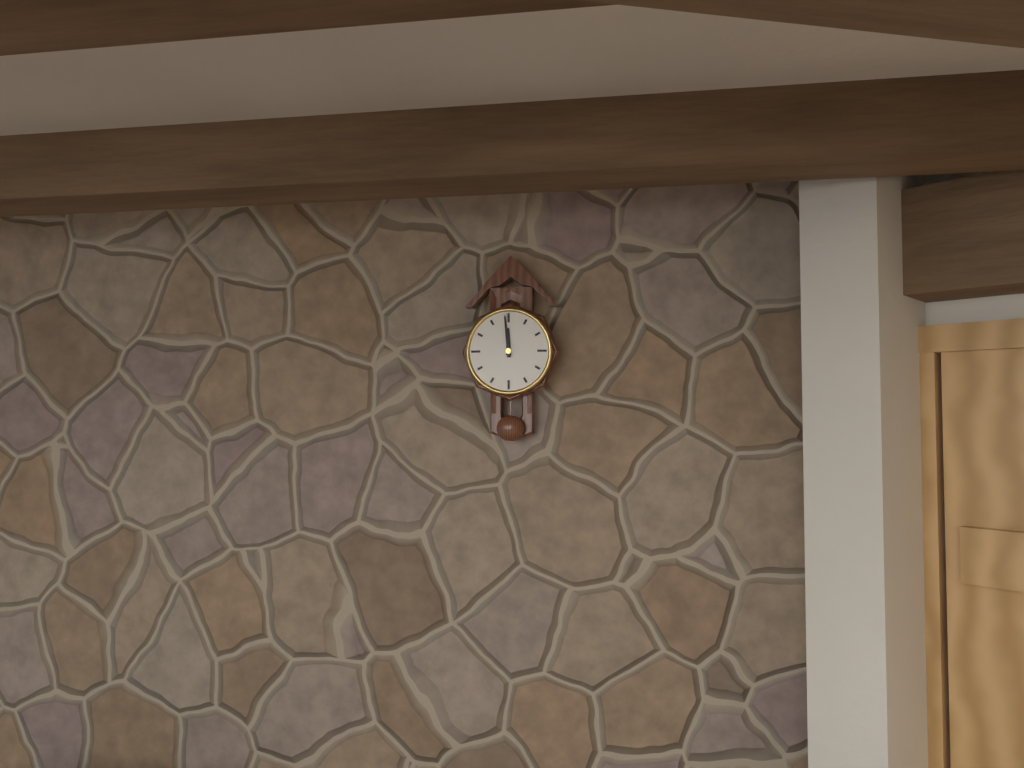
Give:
11h59
